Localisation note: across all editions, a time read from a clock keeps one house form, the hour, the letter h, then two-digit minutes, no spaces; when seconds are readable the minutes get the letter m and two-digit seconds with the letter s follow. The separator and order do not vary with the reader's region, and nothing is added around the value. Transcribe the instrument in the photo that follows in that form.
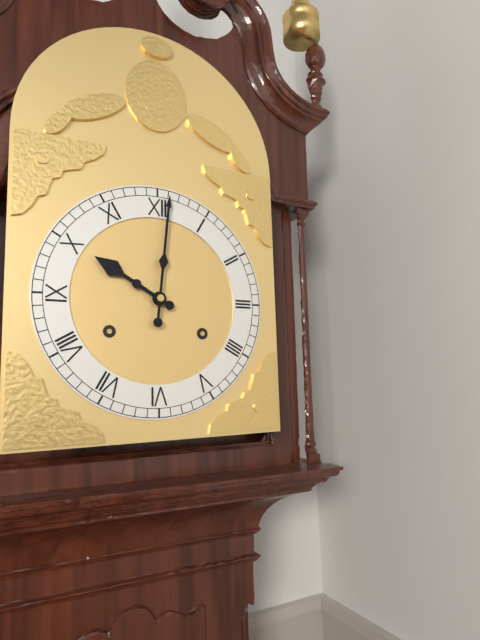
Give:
10h01
